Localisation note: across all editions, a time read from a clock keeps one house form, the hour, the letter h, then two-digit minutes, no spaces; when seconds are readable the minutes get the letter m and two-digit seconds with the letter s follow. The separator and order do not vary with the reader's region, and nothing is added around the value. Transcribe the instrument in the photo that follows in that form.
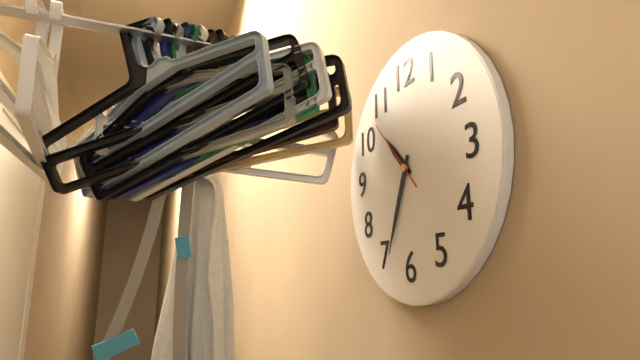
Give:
10h34m53s
